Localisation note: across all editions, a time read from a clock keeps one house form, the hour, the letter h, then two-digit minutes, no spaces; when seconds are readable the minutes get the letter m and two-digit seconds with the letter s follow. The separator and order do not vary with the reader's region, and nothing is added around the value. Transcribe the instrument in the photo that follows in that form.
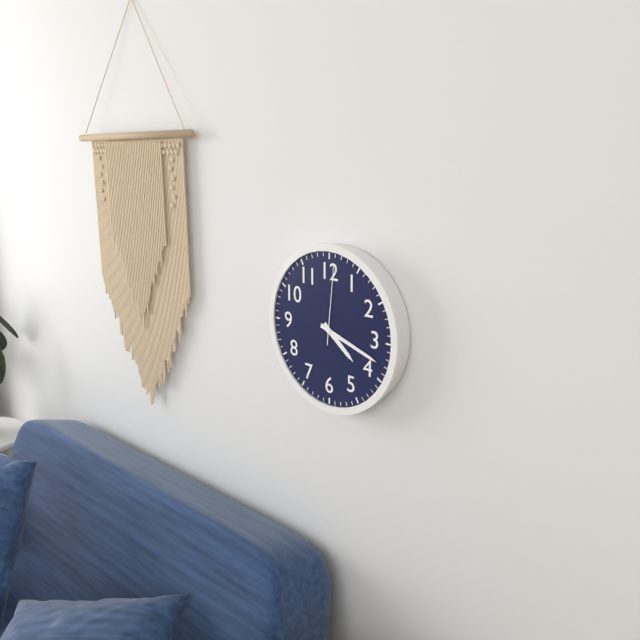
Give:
4h18m01s
